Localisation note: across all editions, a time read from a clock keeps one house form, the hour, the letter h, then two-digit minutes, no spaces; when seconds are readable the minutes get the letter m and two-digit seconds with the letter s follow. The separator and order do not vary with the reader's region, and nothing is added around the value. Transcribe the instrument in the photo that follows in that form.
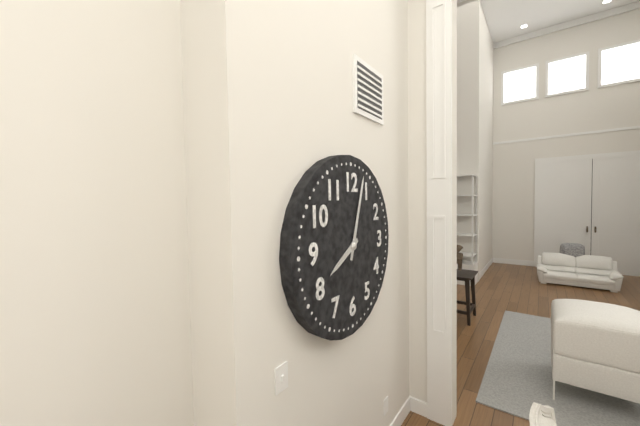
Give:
8h03
